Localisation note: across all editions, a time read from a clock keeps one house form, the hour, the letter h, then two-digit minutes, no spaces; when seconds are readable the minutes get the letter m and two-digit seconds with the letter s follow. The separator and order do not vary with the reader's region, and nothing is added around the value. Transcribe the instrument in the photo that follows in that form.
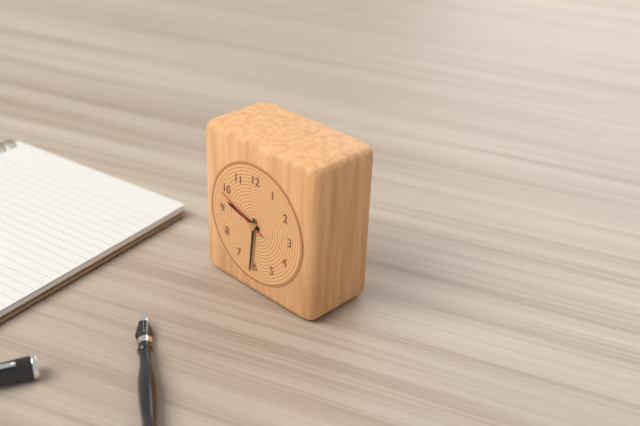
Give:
9h31m49s
